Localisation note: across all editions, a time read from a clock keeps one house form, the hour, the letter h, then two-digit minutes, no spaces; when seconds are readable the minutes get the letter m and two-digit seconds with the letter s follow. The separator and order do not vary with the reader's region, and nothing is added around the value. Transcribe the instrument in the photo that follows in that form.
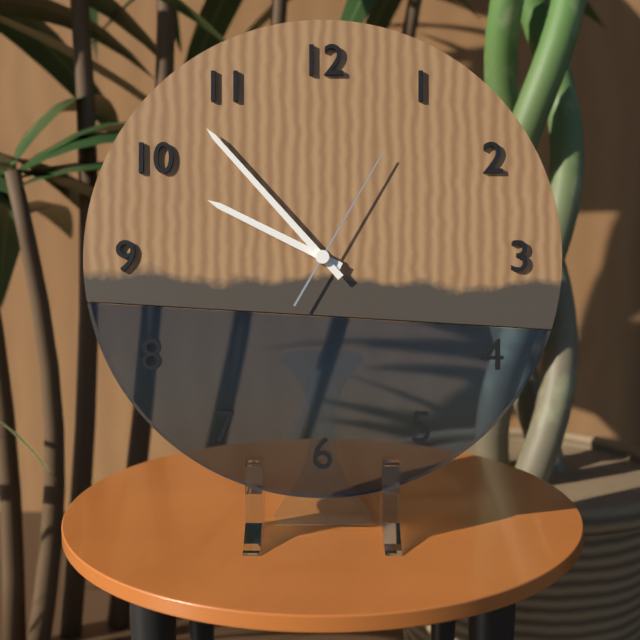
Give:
9h53m05s
